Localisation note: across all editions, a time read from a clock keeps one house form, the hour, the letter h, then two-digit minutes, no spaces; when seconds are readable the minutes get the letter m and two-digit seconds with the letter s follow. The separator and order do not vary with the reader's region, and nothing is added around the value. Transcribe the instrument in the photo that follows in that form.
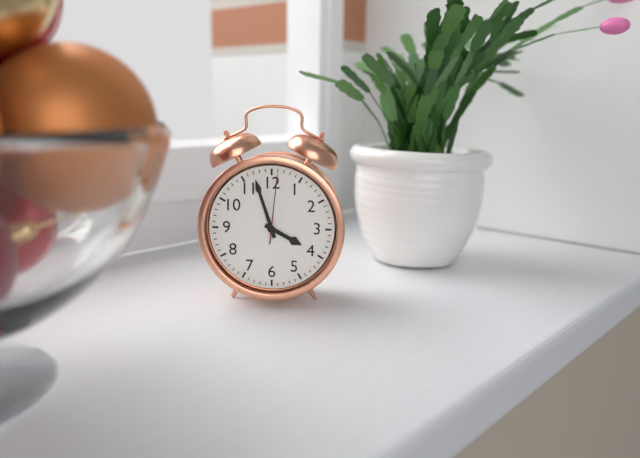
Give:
3h57m01s
